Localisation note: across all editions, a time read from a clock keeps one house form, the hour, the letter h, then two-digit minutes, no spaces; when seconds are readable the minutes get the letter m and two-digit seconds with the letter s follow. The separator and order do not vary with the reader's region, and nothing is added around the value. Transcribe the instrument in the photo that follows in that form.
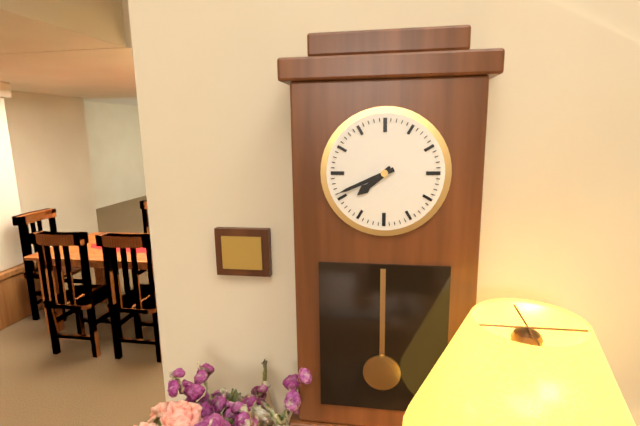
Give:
7h41
